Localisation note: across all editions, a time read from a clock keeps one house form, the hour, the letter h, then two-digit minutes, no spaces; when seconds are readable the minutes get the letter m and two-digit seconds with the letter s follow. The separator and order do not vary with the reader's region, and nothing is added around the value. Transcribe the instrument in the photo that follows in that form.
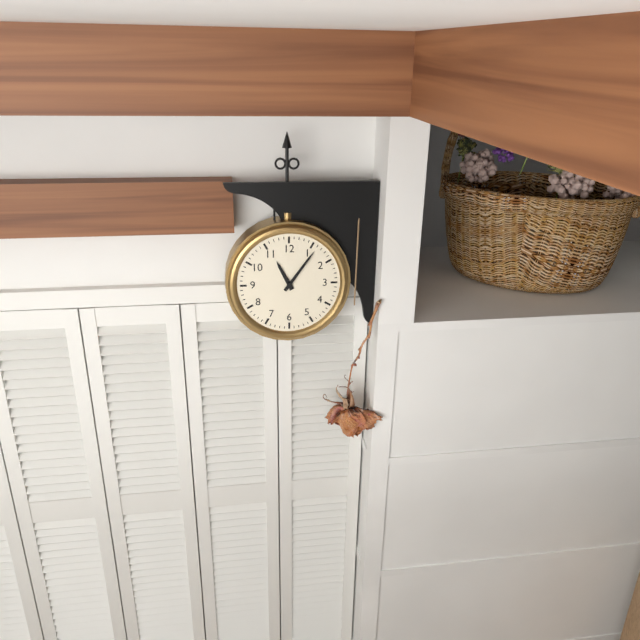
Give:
11h06
